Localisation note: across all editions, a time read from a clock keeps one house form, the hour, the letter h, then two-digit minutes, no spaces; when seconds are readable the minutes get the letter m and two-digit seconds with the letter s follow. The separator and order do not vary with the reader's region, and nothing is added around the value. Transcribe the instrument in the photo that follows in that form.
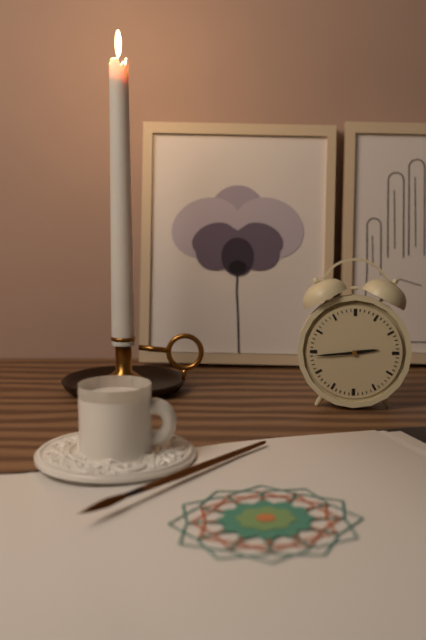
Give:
2h44
